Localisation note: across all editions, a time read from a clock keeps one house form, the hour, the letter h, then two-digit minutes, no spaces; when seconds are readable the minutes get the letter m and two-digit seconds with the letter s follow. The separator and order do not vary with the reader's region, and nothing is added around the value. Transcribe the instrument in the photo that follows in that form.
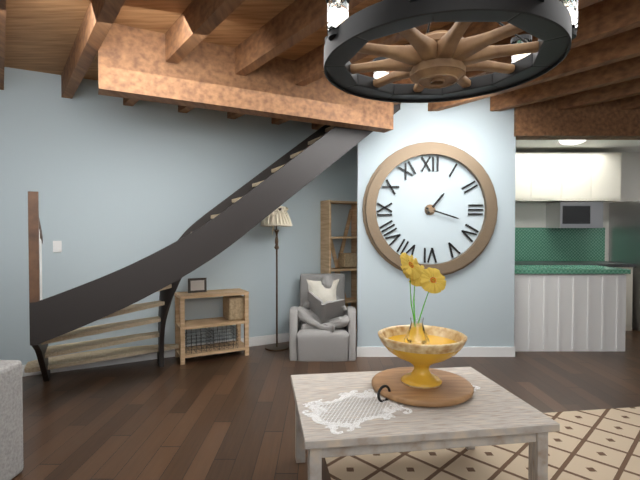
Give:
1h18
